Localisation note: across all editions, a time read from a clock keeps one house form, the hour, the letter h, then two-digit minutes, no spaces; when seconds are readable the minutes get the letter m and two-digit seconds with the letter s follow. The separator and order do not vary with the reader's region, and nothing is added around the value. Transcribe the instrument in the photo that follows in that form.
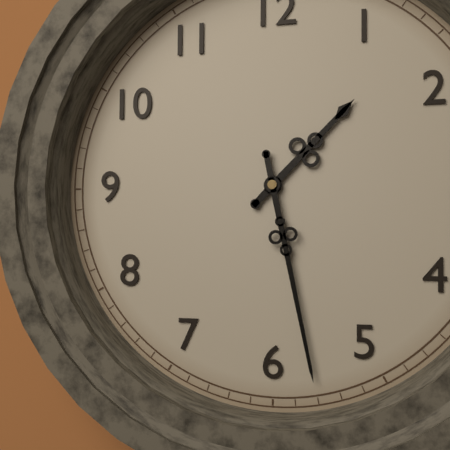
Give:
1h28
